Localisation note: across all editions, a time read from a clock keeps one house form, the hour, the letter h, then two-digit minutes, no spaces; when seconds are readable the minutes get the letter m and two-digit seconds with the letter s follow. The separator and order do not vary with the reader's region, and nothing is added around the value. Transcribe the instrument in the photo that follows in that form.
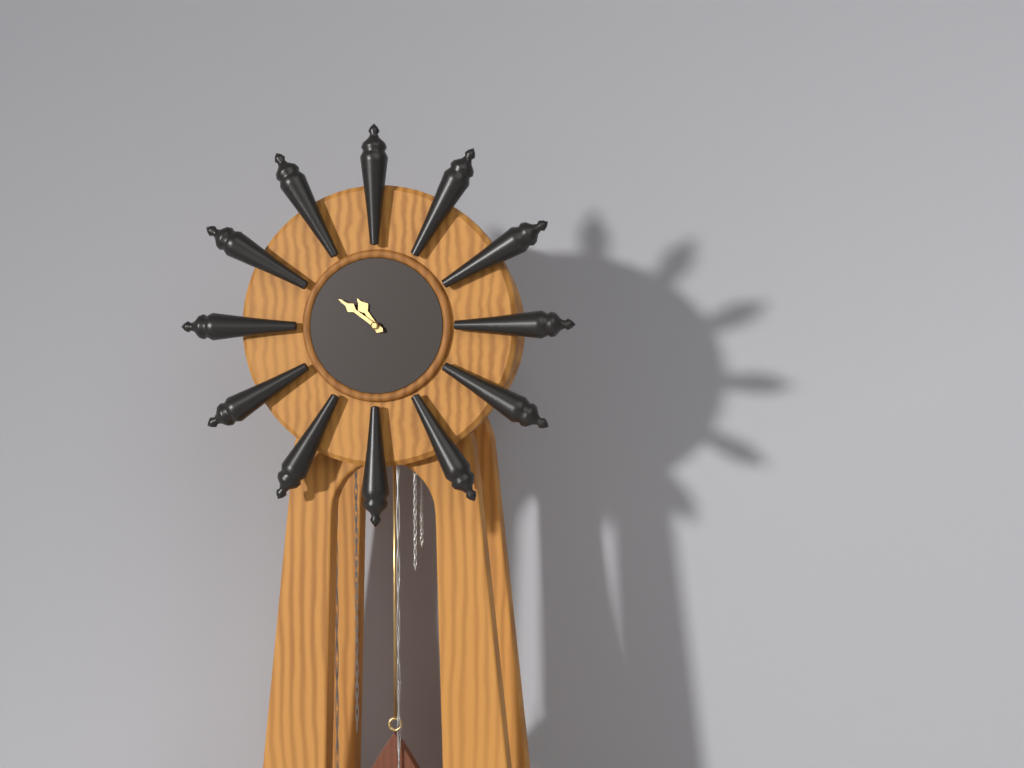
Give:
10h51
